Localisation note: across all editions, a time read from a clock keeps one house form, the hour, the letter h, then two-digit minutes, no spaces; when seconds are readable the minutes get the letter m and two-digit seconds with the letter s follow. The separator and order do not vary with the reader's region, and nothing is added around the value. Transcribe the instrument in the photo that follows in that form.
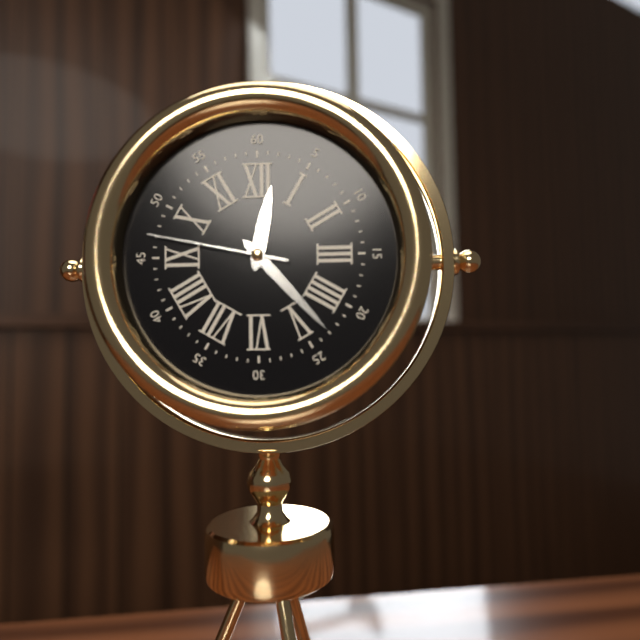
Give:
12h23m47s
